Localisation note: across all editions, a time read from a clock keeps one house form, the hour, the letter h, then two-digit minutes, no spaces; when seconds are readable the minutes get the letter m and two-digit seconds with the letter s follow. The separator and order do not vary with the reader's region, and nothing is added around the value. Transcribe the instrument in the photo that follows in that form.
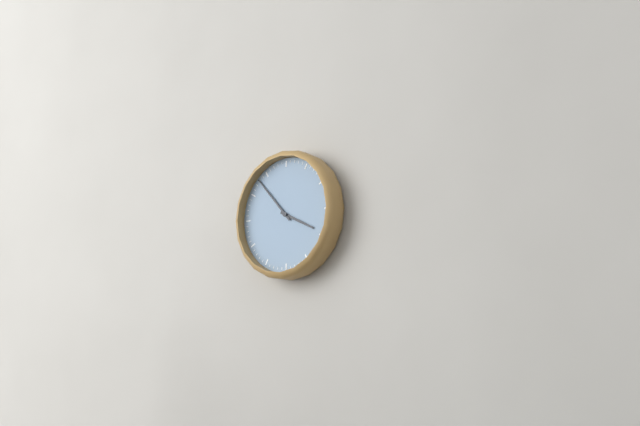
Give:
3h53
